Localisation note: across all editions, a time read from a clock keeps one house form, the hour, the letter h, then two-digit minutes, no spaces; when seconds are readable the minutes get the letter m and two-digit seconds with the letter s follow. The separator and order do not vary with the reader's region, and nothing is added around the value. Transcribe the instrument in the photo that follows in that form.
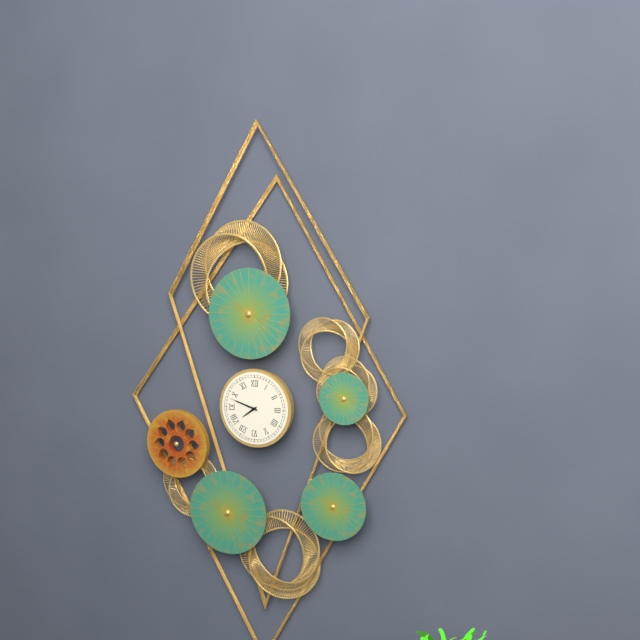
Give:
7h48
